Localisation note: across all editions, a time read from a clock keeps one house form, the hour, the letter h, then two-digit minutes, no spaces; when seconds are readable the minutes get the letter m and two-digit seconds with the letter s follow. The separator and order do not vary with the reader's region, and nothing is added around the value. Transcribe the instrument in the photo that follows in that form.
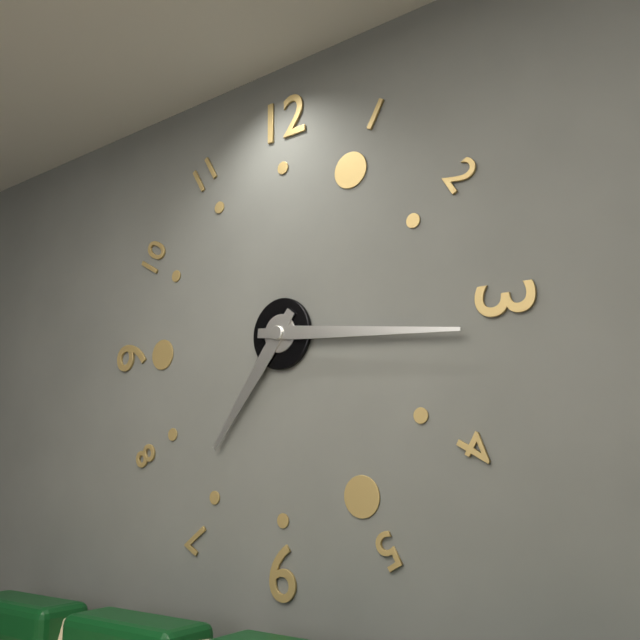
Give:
7h16
